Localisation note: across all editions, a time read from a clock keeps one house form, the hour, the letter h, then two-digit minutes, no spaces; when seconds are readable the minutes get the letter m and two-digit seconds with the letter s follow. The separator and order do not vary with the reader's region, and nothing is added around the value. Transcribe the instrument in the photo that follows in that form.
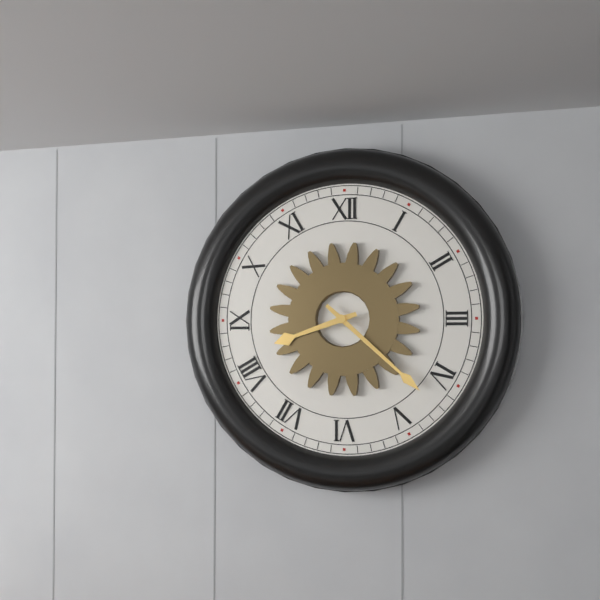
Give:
8h22
